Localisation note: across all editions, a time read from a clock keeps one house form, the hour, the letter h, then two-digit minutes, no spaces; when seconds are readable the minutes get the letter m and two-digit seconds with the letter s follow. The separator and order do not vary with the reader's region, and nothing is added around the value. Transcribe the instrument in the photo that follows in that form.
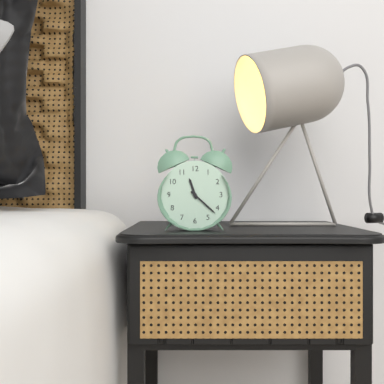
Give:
11h22
